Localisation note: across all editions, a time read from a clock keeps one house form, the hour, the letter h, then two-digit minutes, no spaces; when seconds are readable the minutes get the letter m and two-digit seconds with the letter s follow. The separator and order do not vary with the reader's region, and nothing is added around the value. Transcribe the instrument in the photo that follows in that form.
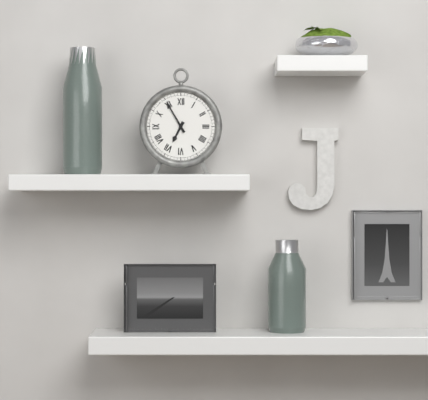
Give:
6h55
